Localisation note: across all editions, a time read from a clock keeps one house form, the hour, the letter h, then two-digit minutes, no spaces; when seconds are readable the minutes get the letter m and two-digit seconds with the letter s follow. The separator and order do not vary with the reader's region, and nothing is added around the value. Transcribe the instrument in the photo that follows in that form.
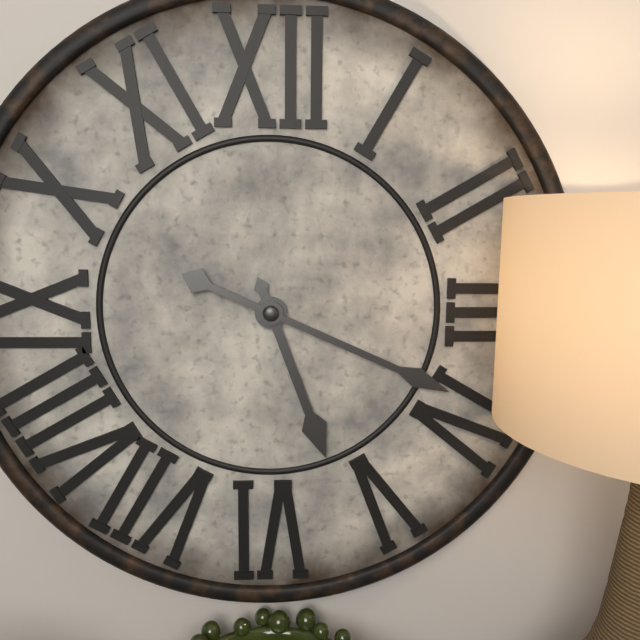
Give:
5h19
